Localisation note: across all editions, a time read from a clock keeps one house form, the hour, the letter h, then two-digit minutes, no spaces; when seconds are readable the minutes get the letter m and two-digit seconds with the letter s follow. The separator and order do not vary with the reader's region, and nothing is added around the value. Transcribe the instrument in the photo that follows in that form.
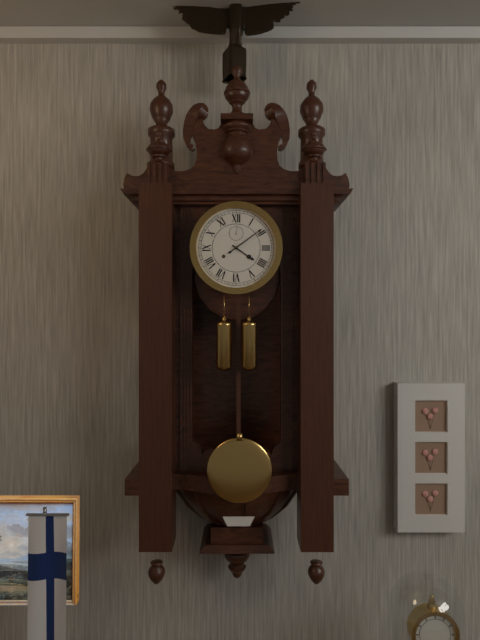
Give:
4h09
